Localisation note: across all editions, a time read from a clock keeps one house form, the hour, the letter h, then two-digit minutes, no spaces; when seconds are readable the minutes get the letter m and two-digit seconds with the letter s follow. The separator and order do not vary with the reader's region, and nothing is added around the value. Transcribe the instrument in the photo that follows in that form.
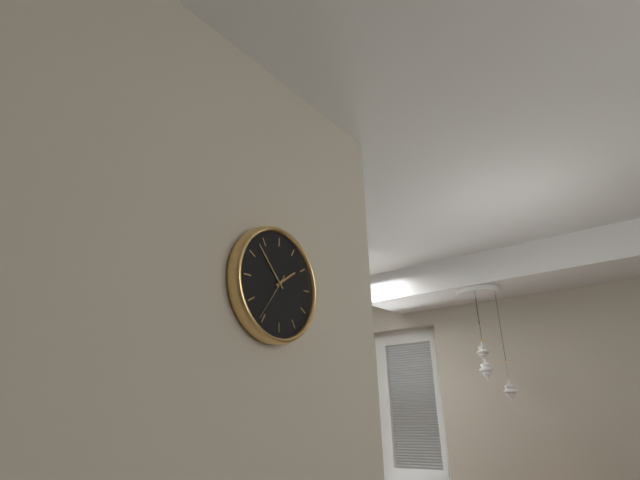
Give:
1h53
